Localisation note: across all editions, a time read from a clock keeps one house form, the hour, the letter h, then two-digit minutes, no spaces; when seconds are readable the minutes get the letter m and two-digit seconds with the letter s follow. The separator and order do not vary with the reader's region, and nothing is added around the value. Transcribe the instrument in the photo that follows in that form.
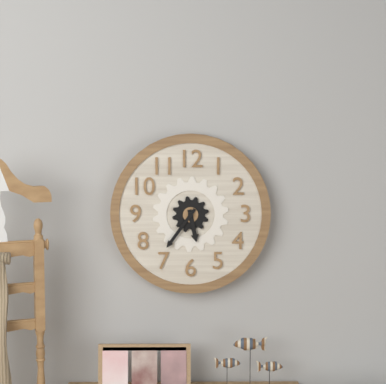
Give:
5h36
